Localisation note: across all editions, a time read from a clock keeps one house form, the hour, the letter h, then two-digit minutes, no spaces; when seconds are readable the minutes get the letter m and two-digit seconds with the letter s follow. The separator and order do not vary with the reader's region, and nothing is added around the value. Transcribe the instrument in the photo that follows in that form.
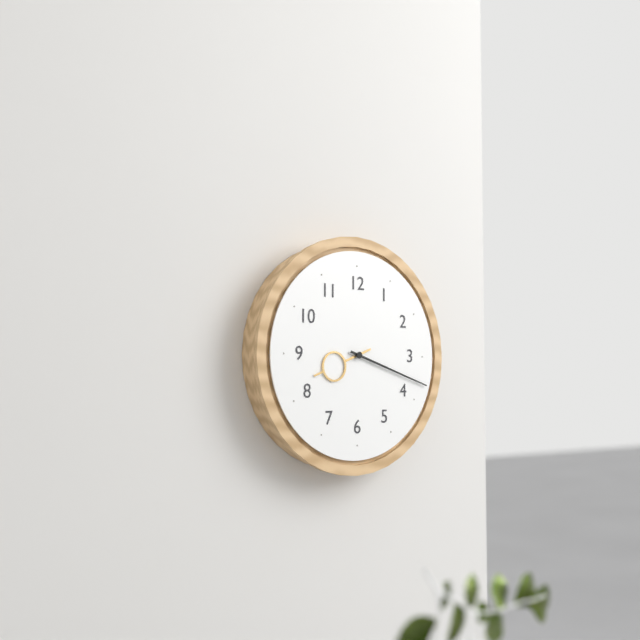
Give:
8h18
